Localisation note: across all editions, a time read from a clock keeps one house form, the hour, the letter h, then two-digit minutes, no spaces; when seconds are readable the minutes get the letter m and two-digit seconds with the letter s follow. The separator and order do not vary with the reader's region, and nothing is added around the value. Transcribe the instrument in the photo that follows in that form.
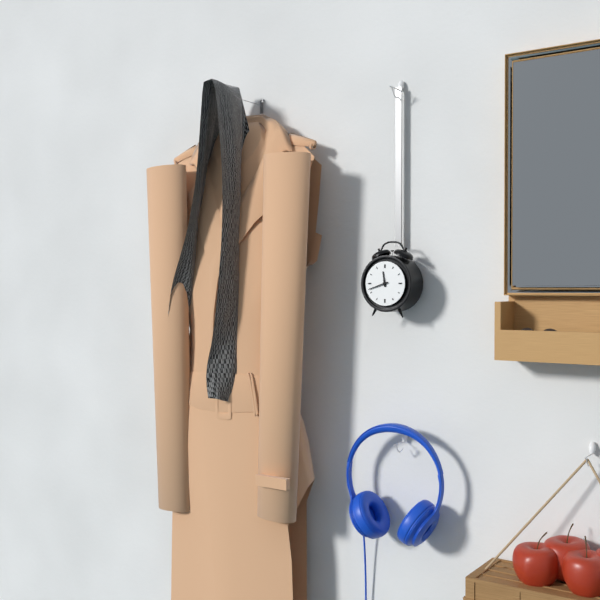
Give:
11h42
